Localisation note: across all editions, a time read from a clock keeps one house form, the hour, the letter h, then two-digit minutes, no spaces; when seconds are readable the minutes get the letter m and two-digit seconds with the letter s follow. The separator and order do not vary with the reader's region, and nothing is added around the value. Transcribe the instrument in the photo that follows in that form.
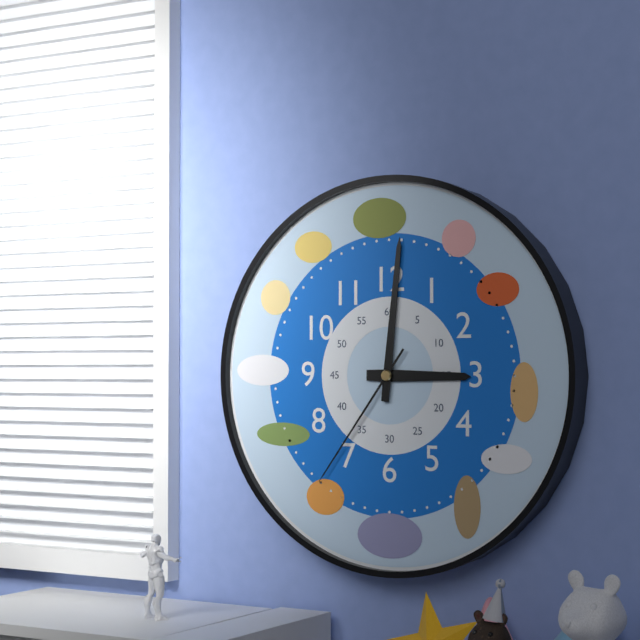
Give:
3h01m36s
